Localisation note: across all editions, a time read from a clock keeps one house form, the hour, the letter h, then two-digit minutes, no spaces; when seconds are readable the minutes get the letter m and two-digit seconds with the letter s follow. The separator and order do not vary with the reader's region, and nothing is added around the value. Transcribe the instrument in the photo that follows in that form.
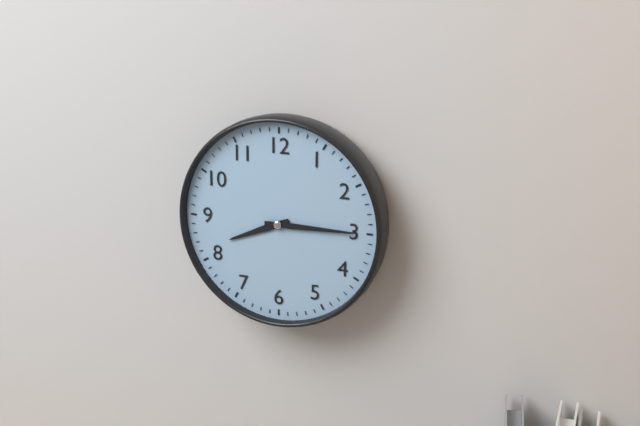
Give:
8h15
